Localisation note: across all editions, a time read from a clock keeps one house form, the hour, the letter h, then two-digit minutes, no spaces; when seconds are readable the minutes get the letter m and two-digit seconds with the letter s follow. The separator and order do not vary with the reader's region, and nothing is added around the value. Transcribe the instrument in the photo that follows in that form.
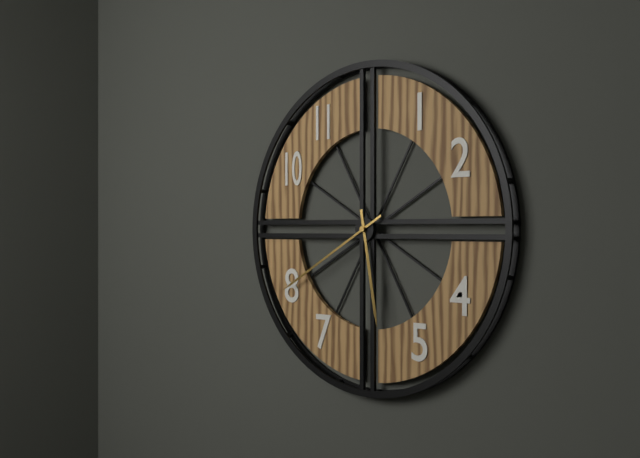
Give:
5h40
